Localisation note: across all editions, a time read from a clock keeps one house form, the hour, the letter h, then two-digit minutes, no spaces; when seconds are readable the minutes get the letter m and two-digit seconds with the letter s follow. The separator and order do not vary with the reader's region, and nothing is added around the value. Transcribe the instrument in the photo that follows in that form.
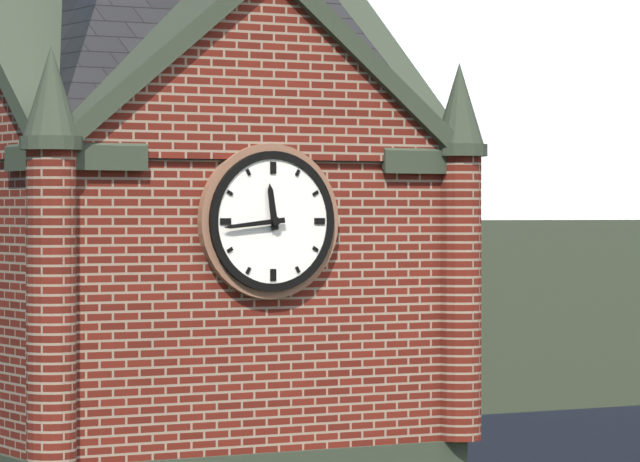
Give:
11h44
